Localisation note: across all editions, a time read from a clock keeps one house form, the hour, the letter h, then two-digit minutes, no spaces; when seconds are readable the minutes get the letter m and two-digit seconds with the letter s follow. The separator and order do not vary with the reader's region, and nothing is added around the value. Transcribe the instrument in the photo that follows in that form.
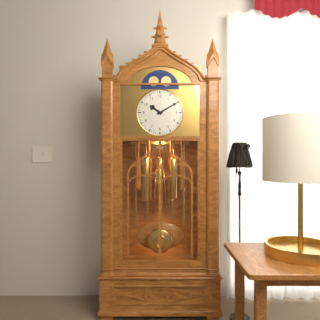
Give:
10h10
